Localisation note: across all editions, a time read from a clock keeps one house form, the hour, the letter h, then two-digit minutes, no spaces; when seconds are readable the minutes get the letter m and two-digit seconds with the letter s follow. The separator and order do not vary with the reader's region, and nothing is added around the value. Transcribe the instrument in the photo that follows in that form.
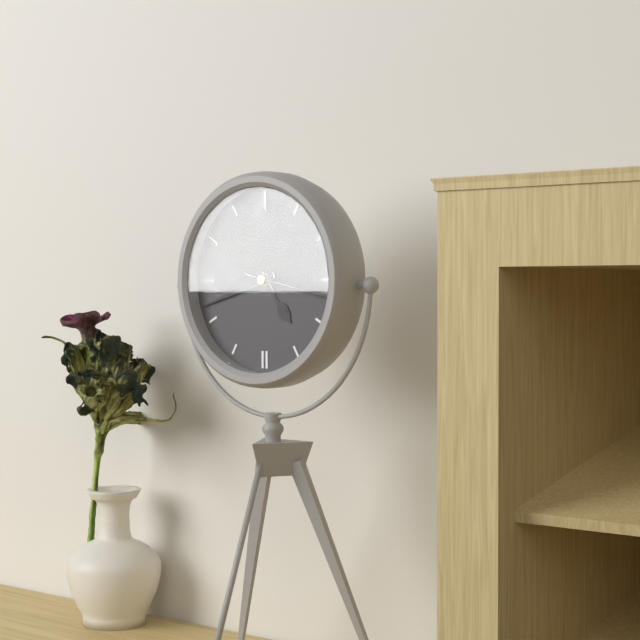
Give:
4h42m17s
